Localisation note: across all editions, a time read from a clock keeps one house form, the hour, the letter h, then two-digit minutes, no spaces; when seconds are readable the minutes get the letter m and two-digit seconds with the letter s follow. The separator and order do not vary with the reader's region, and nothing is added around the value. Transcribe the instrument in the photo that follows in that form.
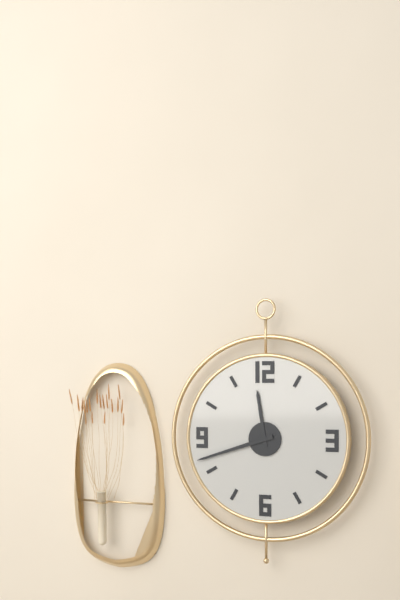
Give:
11h42
